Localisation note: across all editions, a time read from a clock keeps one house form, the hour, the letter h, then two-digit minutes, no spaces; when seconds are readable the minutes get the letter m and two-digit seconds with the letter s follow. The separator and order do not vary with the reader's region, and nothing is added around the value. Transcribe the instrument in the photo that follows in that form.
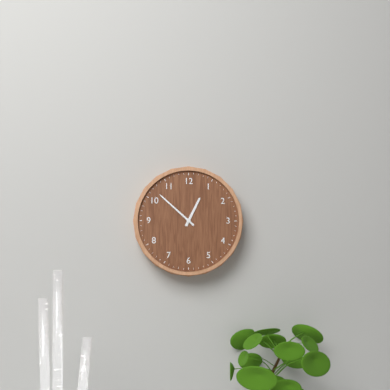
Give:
12h52
